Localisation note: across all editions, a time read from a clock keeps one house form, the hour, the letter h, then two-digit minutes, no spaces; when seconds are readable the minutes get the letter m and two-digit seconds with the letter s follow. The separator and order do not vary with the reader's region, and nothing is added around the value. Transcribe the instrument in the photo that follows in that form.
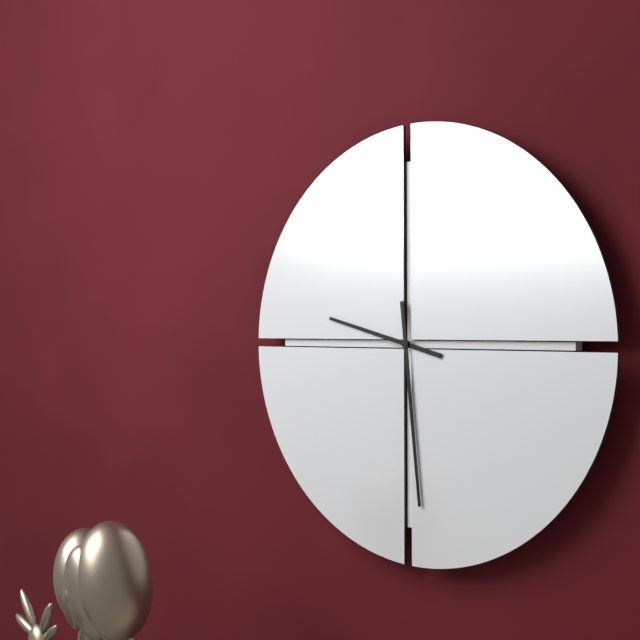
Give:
9h29
